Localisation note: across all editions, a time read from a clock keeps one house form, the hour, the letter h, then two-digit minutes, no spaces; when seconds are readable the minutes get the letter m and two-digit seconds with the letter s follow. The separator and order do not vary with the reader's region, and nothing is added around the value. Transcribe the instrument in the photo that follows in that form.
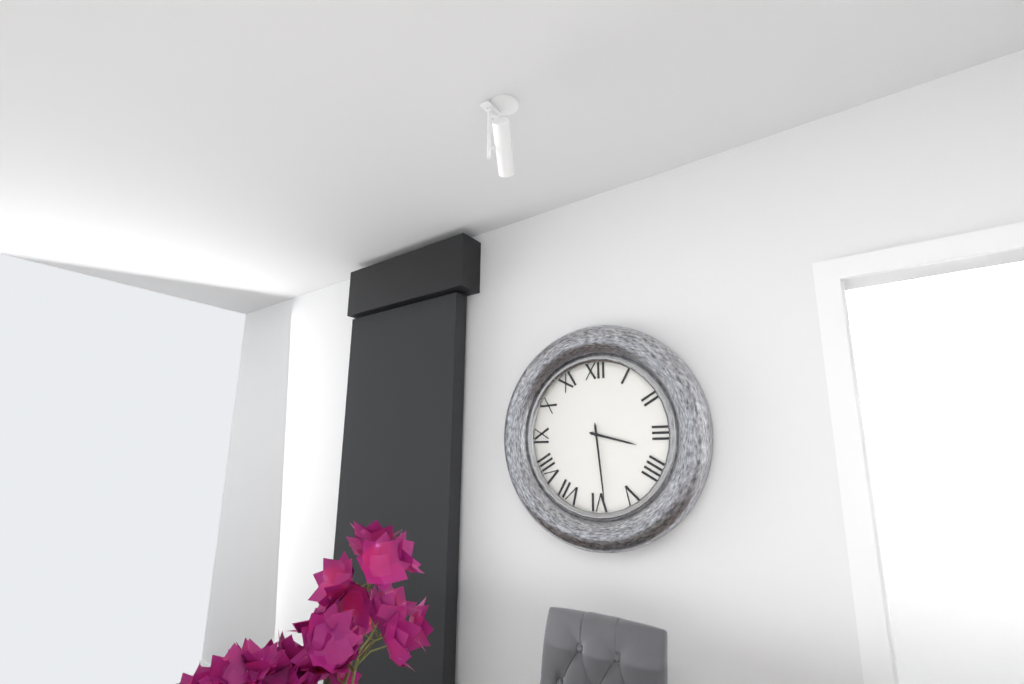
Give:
3h29
